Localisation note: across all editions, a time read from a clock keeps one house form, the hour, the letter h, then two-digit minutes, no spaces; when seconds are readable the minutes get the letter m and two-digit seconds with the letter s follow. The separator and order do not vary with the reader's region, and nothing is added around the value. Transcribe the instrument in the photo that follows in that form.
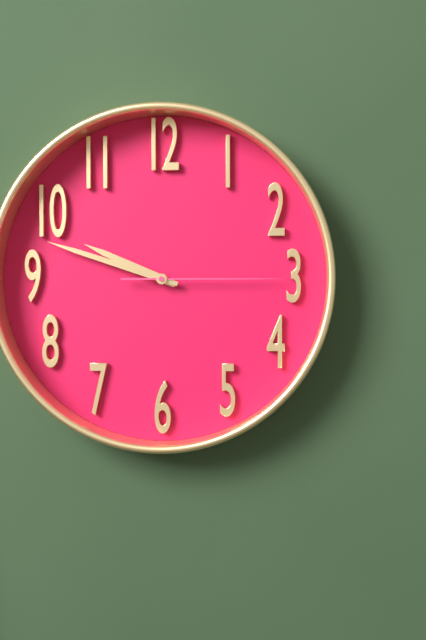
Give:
9h48m15s
